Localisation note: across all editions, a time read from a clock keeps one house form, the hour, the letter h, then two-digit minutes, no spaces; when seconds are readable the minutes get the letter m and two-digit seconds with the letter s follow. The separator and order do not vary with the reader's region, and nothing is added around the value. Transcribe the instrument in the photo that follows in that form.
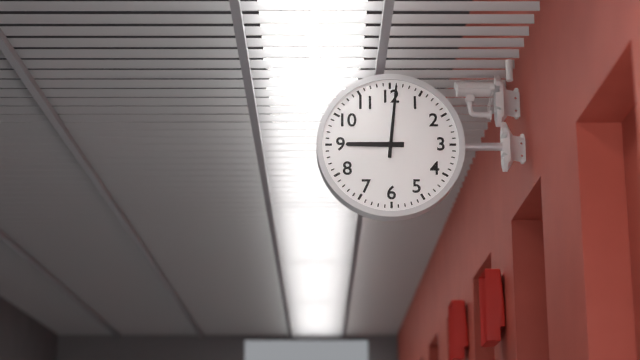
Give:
9h01
